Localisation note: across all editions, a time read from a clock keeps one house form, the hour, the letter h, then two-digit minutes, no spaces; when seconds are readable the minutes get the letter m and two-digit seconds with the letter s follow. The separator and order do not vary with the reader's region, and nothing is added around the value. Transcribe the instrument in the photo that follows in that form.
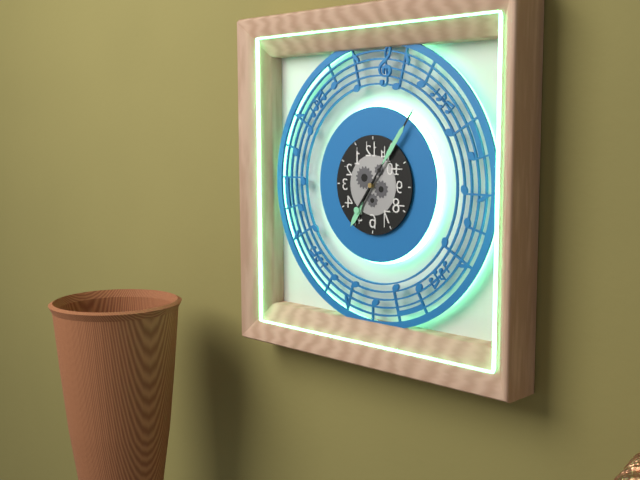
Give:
7h06
